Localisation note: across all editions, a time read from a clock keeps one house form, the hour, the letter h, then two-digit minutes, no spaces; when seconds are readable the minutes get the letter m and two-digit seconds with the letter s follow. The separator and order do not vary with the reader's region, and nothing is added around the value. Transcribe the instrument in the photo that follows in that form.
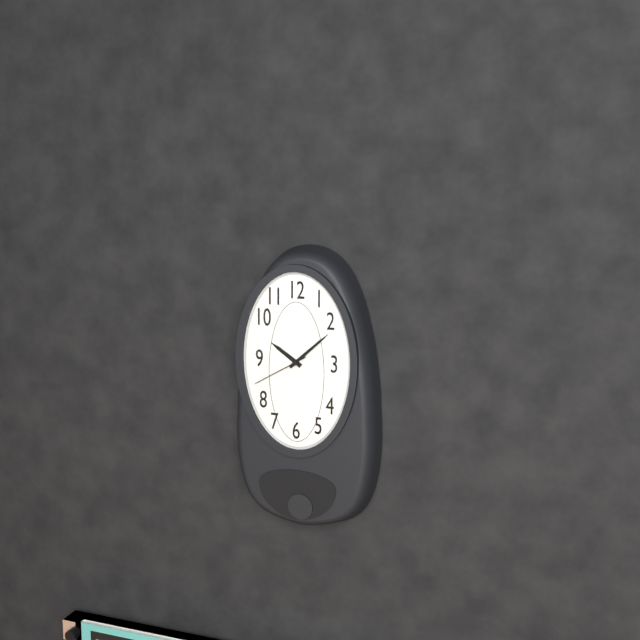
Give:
10h08m40s
